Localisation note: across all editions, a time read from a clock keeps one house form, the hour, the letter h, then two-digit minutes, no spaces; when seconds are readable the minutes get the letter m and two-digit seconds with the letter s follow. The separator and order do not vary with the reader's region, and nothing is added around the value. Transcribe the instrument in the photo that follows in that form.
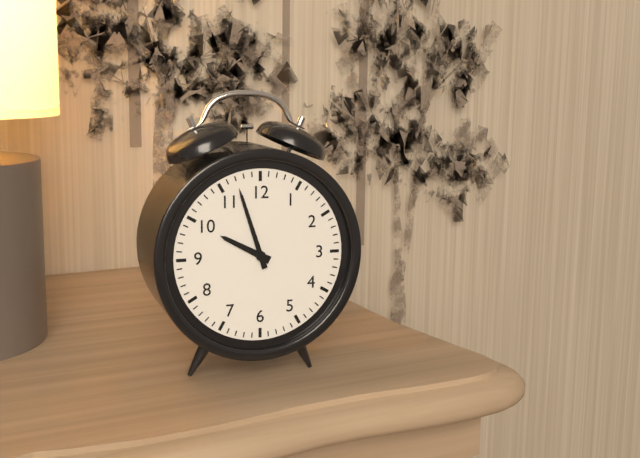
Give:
9h57
